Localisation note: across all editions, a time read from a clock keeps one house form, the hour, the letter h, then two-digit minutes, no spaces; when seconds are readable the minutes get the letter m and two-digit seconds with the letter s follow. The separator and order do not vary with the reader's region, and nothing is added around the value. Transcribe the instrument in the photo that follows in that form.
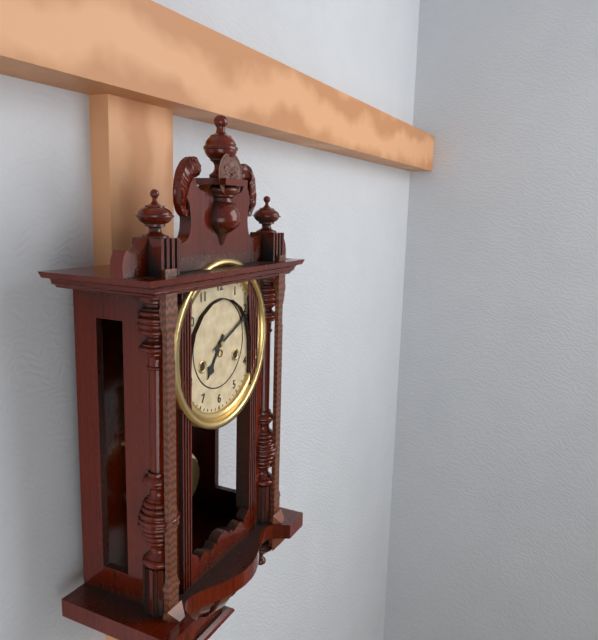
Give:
7h11
